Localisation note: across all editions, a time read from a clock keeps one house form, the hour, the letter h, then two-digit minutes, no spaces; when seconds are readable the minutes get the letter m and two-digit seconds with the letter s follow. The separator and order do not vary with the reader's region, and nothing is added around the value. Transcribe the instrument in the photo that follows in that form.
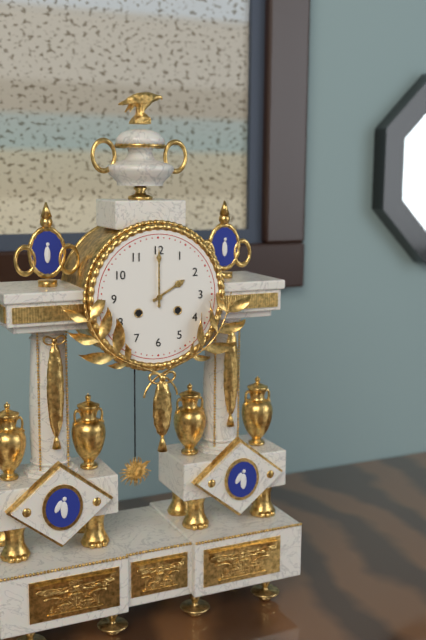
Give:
2h00
